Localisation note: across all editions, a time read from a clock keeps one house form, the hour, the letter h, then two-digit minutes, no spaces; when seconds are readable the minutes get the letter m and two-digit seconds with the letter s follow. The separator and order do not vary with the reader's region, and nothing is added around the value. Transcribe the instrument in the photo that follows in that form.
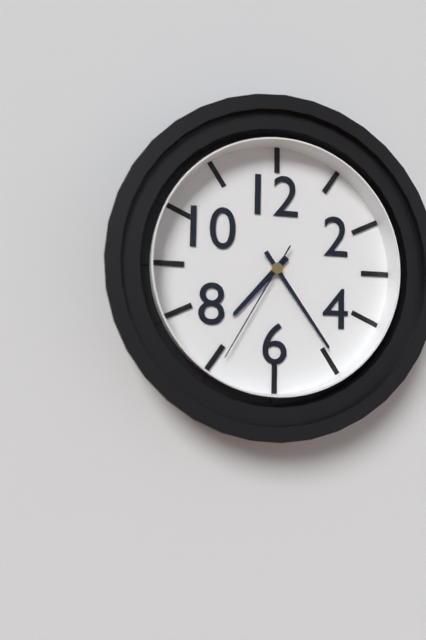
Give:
7h24m35s
